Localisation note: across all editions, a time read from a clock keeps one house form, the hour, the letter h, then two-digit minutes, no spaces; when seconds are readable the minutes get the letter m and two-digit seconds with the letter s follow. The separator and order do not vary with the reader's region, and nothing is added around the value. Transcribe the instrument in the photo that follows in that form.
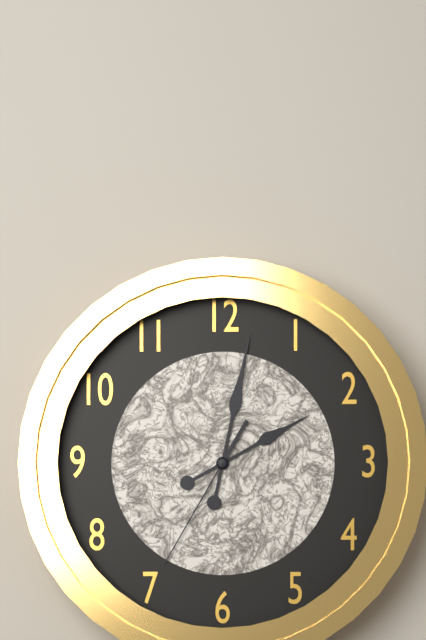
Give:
2h02m35s
